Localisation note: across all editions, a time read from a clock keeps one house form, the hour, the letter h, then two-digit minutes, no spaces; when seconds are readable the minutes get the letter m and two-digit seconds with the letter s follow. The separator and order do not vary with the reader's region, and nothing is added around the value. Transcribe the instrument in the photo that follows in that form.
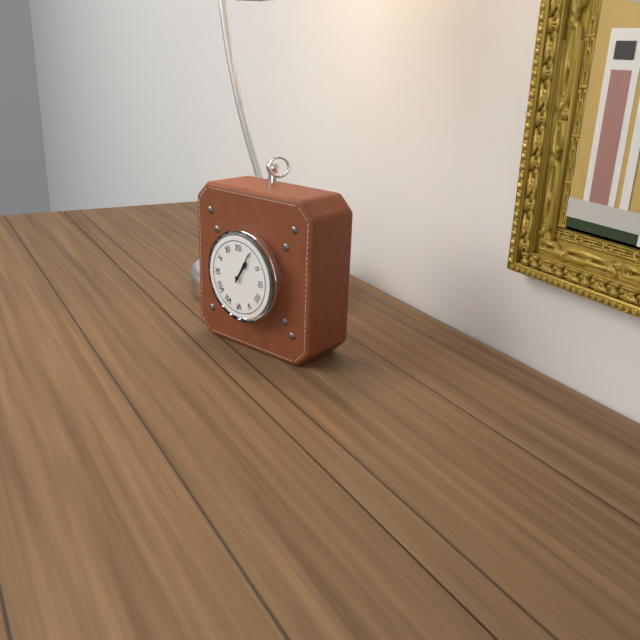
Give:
1h05
